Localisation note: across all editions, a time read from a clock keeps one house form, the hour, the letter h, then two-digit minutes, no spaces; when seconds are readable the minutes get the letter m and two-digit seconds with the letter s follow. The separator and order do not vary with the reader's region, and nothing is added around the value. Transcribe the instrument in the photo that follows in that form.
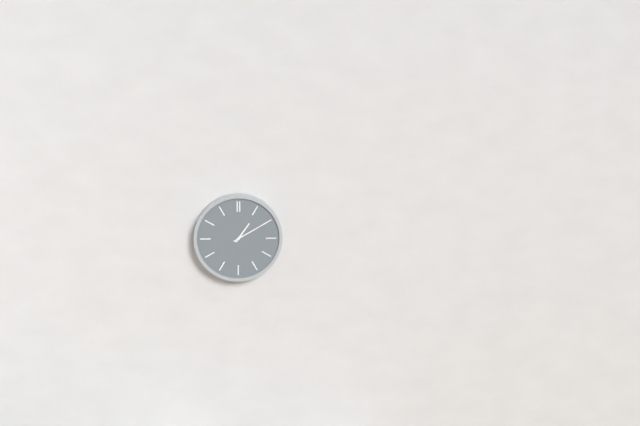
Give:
1h10
